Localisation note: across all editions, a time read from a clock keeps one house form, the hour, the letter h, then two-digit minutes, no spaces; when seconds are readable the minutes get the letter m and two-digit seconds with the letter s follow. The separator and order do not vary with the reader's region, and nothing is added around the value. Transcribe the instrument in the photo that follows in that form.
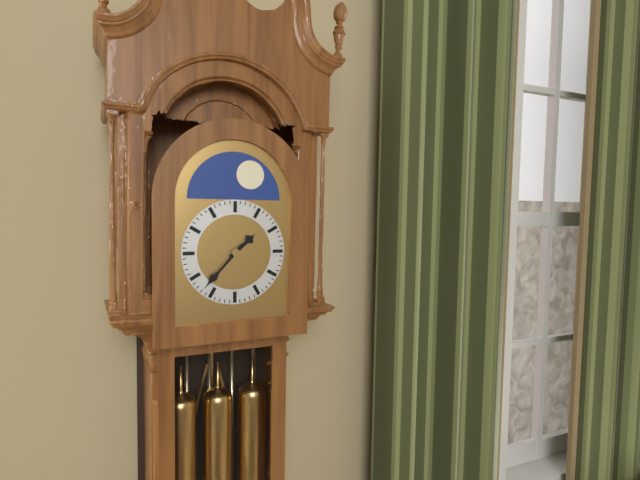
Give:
1h37
